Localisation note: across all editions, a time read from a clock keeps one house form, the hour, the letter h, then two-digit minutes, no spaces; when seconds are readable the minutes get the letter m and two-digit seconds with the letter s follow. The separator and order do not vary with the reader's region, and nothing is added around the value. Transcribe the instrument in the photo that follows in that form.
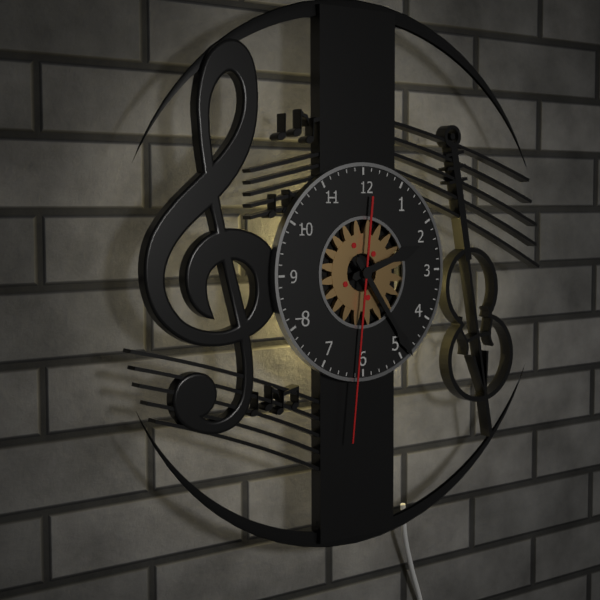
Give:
2h24m31s
